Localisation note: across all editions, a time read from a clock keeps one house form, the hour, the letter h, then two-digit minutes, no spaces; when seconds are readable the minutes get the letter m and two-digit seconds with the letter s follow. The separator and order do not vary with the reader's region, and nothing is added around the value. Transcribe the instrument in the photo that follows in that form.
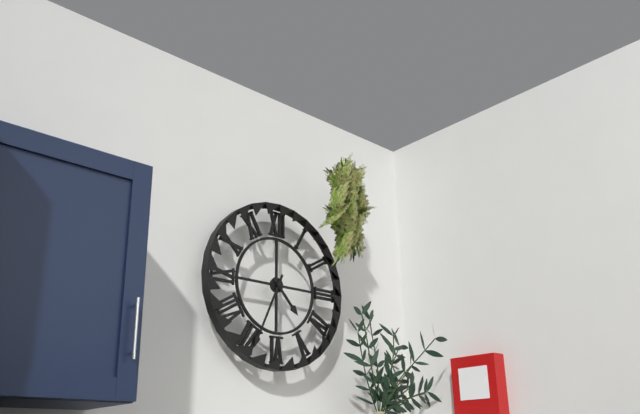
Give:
4h34
